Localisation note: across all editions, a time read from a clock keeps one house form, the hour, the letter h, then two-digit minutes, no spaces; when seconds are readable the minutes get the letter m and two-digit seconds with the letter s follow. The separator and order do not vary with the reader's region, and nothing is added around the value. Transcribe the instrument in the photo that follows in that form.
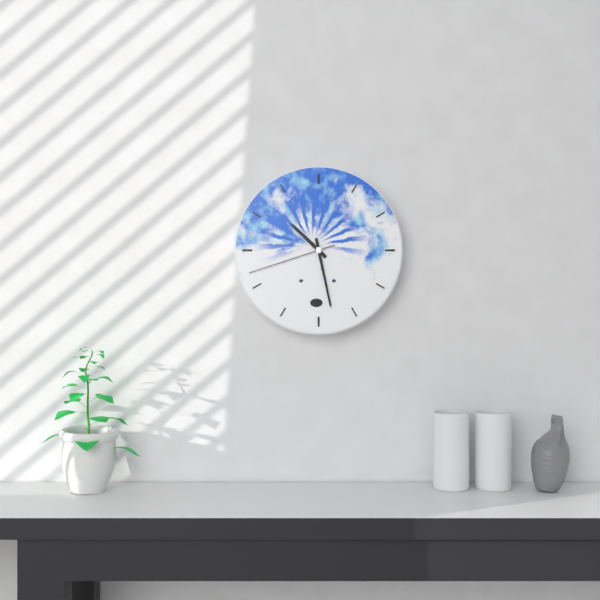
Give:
10h28m42s
